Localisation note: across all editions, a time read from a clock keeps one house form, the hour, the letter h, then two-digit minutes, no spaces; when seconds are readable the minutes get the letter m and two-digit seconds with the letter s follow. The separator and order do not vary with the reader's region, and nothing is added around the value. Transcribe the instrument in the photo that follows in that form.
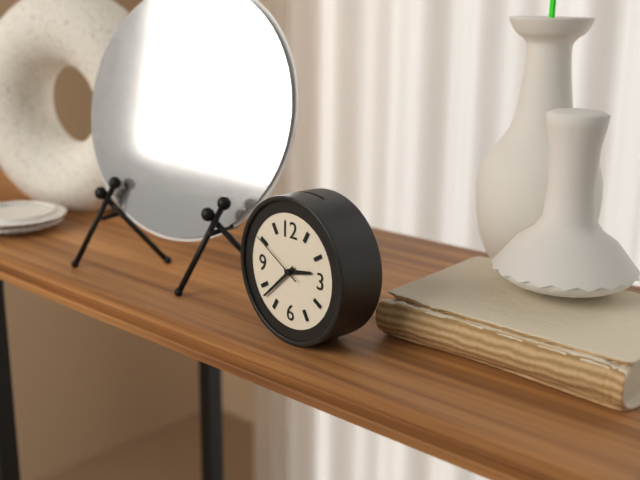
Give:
2h38m50s
